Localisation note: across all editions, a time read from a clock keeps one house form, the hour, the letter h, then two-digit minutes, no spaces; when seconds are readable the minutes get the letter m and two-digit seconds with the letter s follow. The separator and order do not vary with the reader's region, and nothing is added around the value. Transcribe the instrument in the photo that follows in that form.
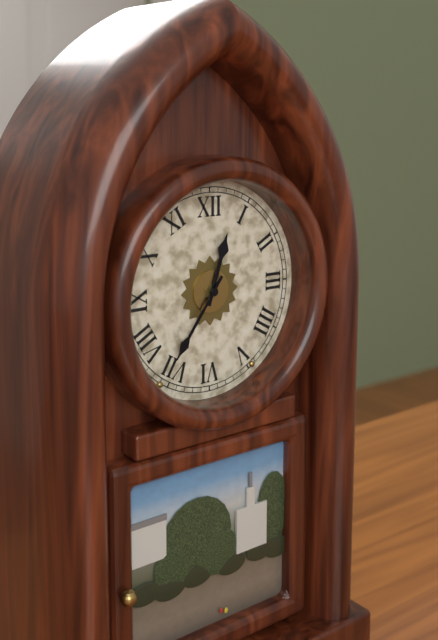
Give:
12h36
